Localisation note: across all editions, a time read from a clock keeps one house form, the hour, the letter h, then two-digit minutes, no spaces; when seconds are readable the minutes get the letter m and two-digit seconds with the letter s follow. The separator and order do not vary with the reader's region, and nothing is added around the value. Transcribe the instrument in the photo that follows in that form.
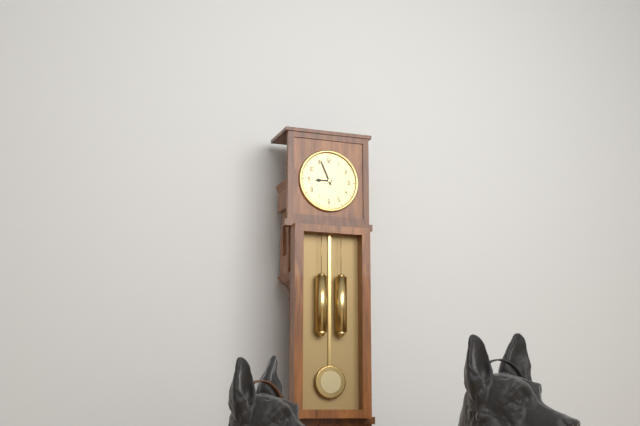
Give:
8h56
